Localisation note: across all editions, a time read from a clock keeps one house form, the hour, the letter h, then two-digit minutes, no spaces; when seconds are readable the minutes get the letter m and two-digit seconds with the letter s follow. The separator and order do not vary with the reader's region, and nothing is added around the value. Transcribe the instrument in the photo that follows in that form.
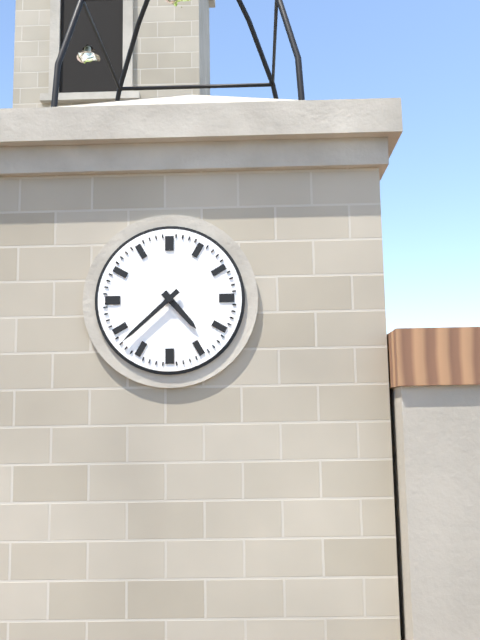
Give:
4h38
